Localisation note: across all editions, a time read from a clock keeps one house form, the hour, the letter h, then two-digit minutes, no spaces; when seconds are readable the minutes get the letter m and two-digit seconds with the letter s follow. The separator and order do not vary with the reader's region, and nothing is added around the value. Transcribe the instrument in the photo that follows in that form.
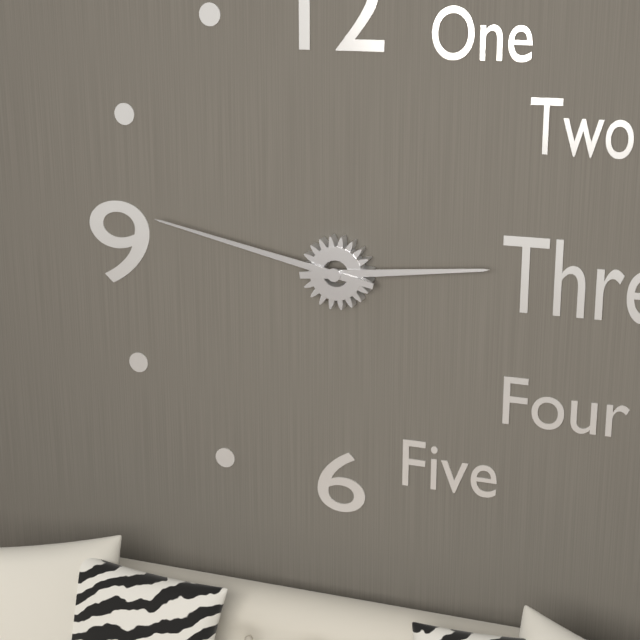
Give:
2h47
